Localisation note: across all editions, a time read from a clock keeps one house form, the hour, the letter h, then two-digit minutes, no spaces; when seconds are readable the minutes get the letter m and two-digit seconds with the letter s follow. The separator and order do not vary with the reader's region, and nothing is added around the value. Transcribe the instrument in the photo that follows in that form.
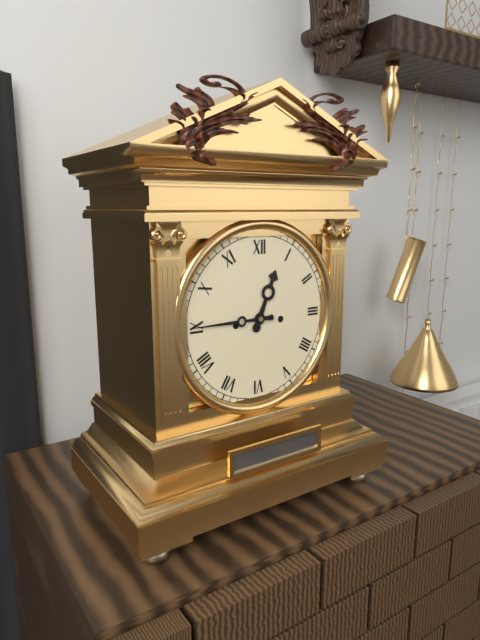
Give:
12h45
